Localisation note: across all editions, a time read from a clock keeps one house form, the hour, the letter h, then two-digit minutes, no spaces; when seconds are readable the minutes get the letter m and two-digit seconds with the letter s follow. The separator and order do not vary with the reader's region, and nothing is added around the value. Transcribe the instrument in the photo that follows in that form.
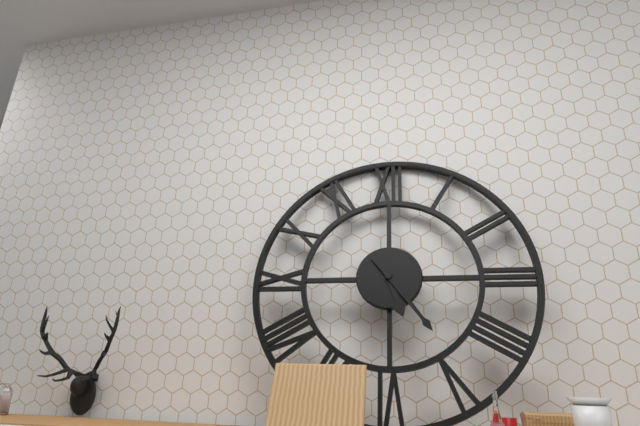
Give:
5h24
